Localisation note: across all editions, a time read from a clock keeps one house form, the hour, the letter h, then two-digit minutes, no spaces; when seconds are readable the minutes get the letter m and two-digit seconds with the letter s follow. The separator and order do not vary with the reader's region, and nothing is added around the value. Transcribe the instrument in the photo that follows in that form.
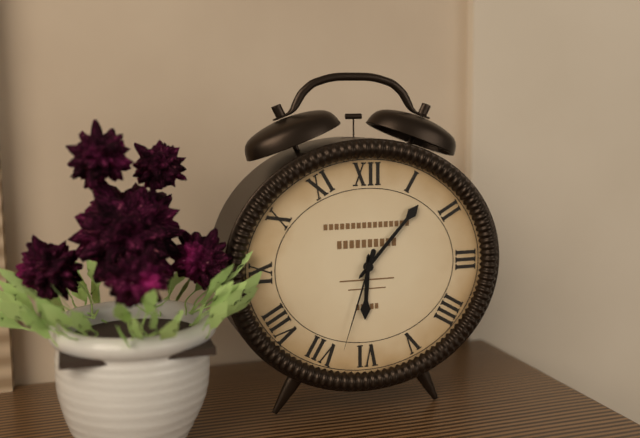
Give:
6h07m33s
